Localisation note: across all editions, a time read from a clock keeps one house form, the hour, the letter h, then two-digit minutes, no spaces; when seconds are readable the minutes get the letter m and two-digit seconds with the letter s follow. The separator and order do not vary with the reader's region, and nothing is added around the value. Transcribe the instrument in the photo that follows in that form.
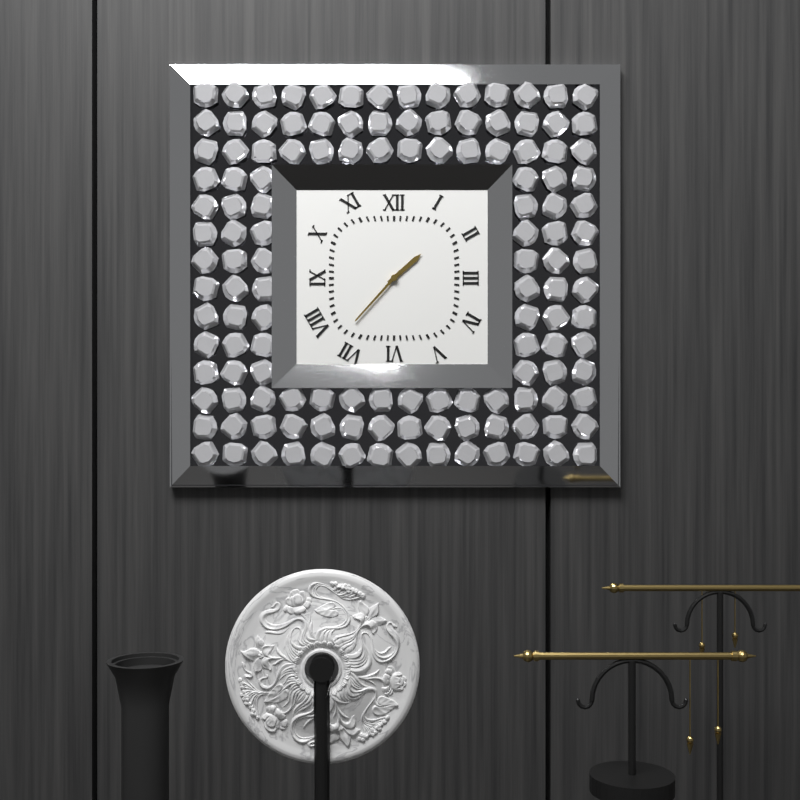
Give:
1h37
